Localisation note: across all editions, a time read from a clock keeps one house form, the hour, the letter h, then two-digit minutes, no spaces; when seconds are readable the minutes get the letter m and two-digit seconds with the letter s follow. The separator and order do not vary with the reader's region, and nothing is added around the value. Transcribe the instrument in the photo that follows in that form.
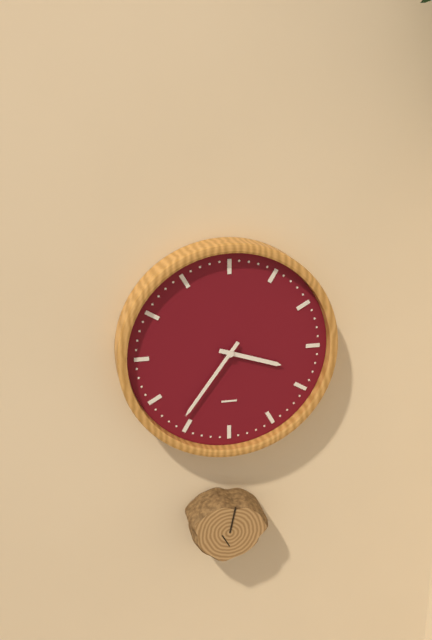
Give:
3h36
